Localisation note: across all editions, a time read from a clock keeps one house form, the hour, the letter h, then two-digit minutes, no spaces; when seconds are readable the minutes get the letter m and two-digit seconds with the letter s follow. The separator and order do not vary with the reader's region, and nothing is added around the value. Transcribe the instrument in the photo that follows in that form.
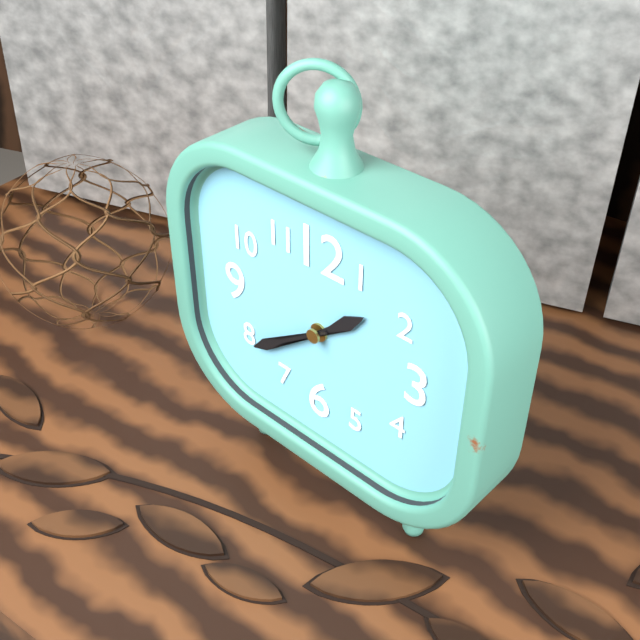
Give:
1h39
